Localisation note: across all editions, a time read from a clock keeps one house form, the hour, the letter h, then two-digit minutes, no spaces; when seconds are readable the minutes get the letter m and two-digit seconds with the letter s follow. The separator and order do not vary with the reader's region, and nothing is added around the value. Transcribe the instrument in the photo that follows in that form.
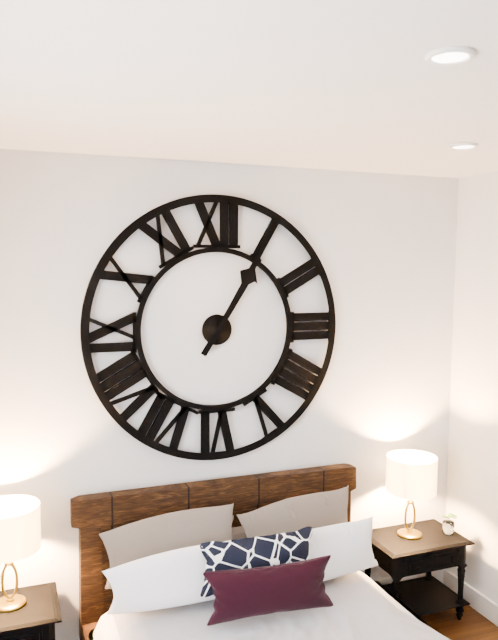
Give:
1h05
